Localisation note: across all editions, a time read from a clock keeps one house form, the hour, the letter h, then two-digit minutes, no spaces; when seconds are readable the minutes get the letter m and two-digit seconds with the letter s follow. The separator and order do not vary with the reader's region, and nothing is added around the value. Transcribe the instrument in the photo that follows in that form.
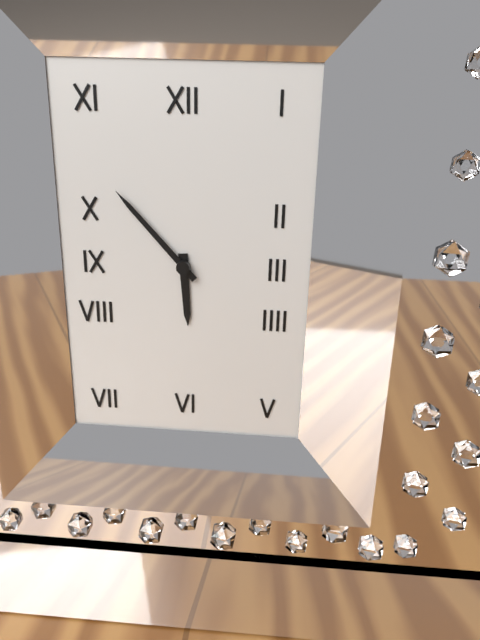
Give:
5h53
